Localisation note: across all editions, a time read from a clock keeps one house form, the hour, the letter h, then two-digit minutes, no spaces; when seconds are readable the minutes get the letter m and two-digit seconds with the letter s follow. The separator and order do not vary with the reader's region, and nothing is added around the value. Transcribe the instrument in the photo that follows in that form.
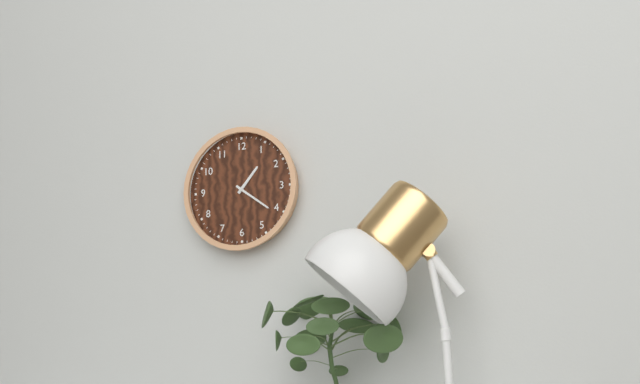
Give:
1h21
